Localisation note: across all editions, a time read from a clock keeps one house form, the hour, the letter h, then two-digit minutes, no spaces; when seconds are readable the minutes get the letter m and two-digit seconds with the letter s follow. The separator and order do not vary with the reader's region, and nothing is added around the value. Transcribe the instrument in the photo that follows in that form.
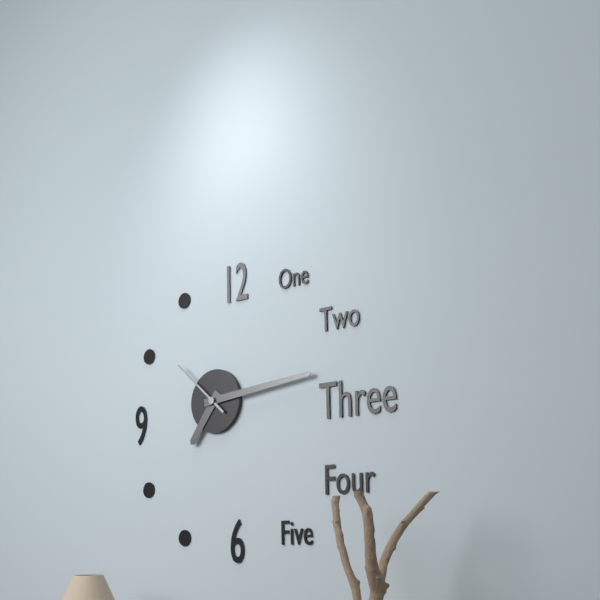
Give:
7h14m52s
